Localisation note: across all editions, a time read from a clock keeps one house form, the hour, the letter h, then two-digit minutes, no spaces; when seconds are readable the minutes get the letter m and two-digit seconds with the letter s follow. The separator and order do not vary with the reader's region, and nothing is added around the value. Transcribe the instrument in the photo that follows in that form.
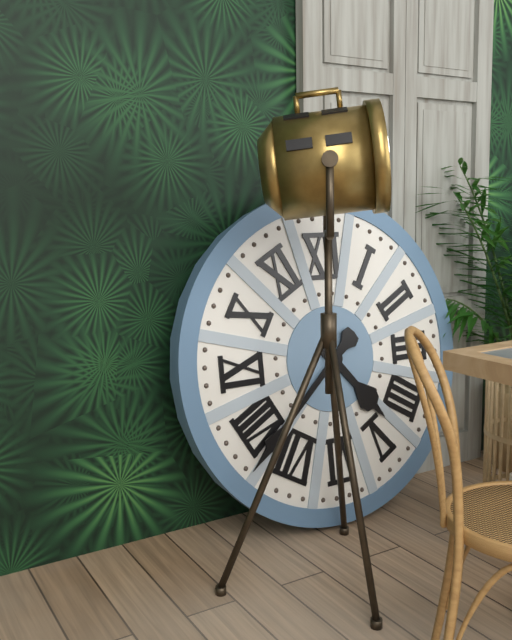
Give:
4h38
